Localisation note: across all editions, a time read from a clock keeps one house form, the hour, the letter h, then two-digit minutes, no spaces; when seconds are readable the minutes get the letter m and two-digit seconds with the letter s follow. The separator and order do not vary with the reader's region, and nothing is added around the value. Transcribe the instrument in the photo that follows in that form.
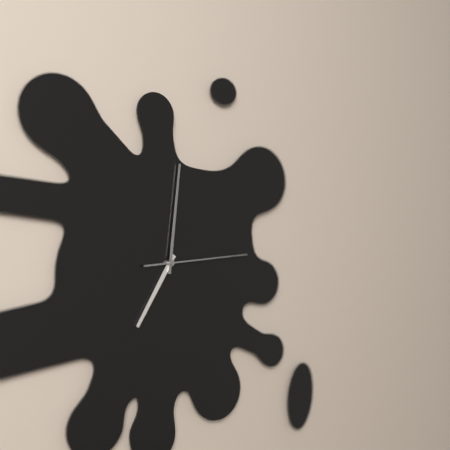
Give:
7h01m14s
